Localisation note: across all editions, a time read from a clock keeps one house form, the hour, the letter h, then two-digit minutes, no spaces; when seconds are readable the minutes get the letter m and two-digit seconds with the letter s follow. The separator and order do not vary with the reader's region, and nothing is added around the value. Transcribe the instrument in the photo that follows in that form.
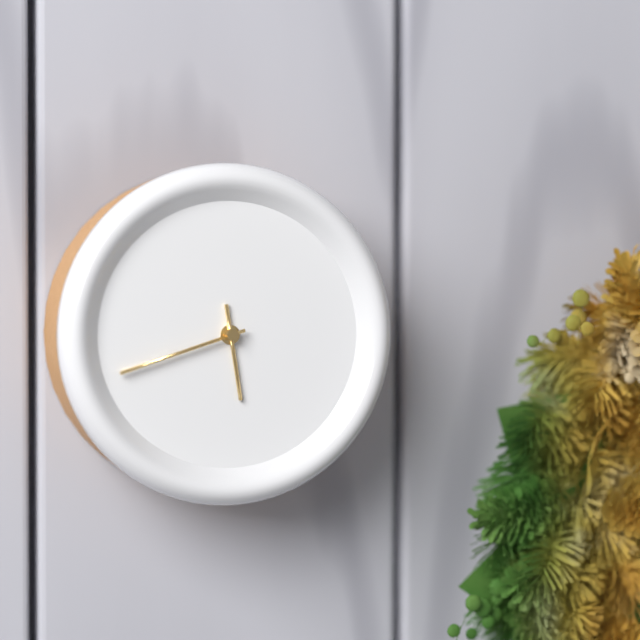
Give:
5h42
